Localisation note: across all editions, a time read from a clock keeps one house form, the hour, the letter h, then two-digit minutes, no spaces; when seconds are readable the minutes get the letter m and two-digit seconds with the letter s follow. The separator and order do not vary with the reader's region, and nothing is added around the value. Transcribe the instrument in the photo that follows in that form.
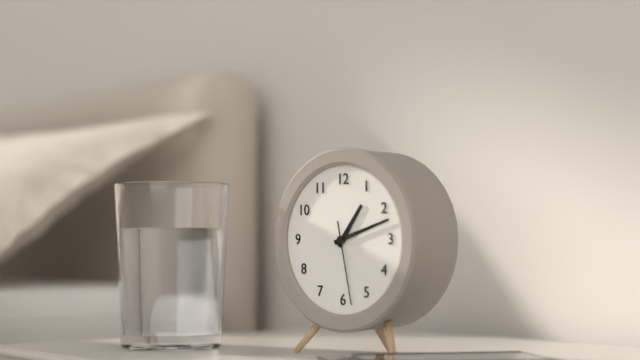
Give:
1h12m28s
